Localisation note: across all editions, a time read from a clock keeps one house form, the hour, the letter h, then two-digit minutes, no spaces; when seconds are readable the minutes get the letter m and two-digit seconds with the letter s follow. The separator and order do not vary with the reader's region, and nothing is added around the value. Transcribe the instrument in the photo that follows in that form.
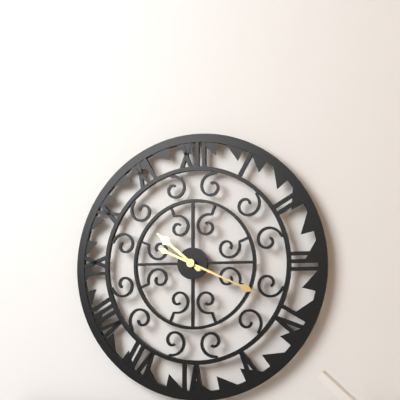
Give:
10h19
